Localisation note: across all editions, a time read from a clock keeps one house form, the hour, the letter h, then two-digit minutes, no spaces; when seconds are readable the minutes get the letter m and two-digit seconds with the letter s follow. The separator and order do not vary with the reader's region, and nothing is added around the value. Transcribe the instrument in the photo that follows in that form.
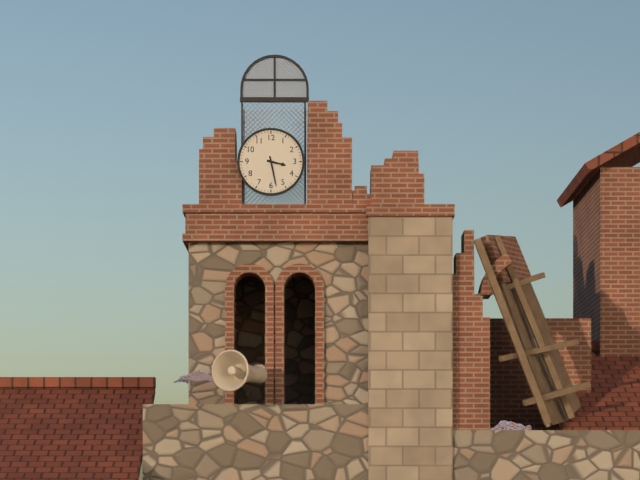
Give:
3h28
